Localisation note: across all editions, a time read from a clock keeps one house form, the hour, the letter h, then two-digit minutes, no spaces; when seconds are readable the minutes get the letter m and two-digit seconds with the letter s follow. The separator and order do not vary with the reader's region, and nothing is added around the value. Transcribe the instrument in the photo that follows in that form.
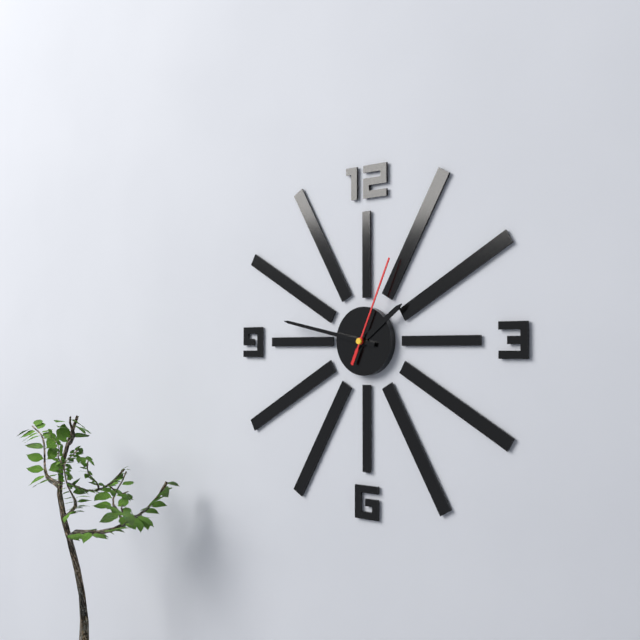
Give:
1h47m04s
